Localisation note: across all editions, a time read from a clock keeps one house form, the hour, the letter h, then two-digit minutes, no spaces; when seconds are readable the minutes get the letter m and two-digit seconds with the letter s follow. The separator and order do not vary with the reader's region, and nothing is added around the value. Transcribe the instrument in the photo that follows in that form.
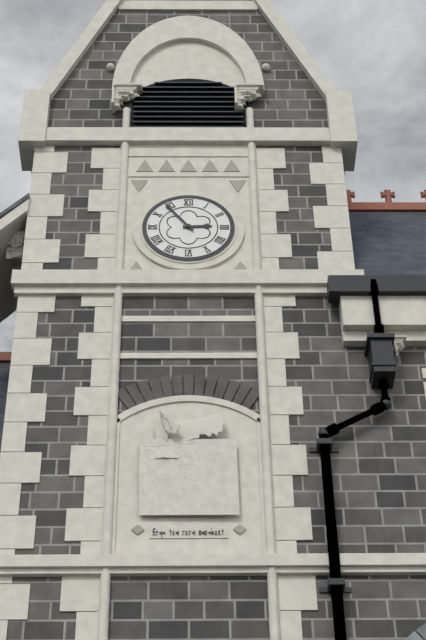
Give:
2h54
